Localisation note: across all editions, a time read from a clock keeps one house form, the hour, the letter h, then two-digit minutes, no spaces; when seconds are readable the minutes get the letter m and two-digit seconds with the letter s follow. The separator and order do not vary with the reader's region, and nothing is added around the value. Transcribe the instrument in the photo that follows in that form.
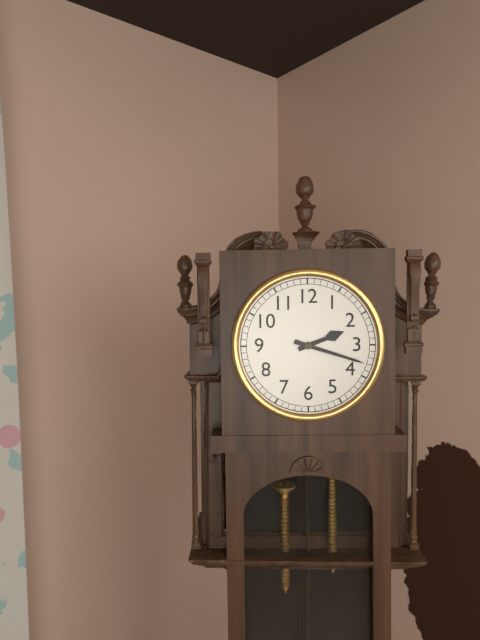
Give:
2h18
